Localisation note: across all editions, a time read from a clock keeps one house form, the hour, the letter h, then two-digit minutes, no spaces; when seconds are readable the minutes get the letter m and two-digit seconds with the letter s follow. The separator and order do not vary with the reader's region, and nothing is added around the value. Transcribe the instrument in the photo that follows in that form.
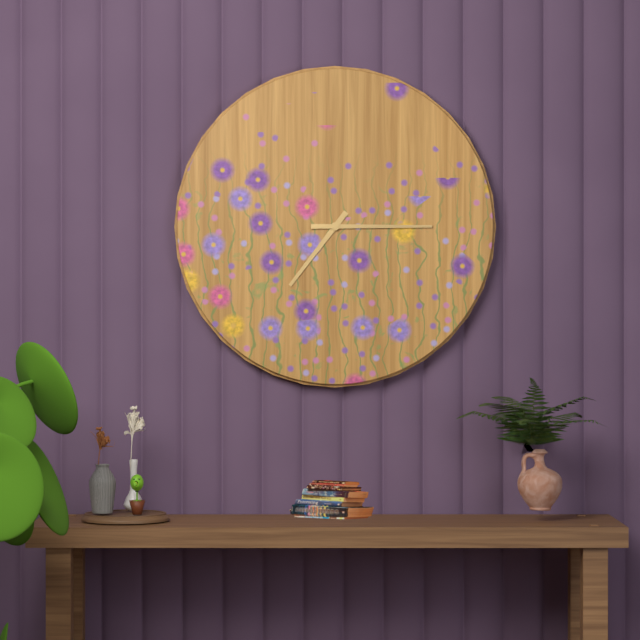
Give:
7h15
